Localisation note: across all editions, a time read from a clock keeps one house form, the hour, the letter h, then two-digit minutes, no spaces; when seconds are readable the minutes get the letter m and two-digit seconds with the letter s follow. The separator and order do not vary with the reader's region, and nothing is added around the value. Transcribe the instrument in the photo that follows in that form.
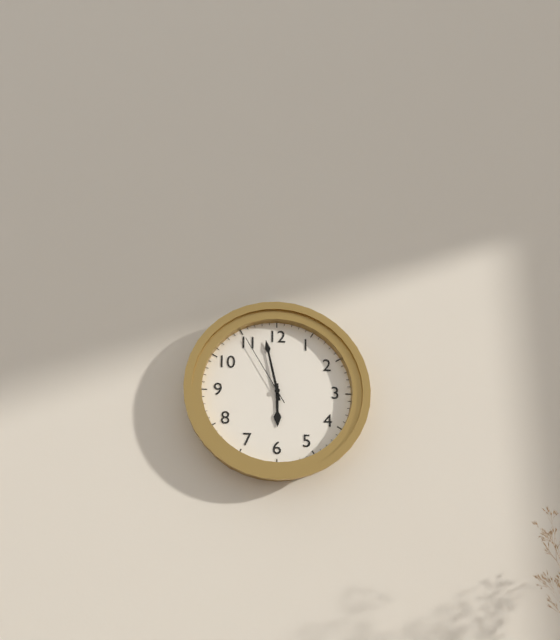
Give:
5h58m55s
